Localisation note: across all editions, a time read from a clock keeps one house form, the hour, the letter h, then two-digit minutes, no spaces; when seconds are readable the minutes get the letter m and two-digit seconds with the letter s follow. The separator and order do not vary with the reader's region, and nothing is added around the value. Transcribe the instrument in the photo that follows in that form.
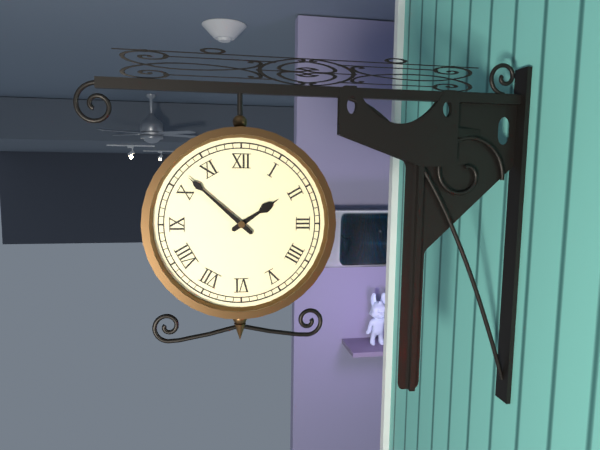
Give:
1h52
